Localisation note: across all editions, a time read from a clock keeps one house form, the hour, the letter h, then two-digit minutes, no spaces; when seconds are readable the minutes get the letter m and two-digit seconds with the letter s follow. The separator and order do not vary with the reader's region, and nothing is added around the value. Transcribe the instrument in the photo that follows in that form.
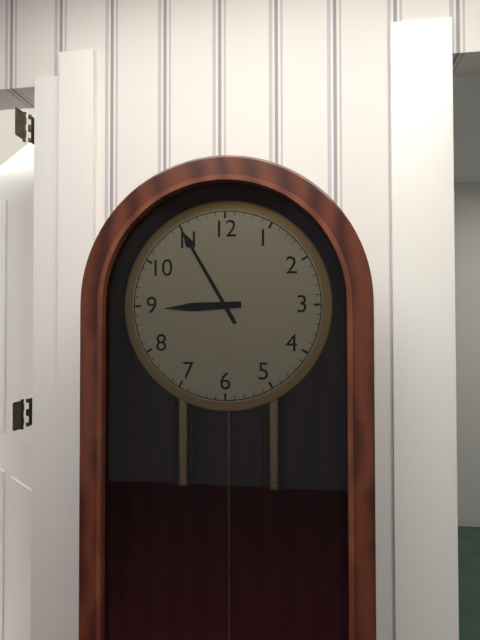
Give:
8h55
